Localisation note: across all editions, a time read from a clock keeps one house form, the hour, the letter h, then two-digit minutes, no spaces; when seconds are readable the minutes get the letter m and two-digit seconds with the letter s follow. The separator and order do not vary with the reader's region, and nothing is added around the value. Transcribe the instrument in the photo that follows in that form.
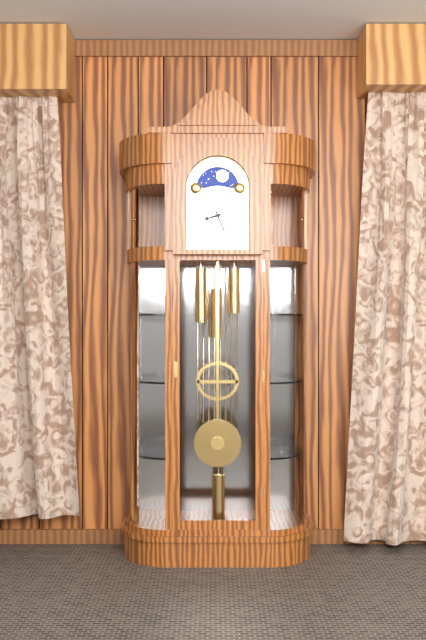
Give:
8h26
